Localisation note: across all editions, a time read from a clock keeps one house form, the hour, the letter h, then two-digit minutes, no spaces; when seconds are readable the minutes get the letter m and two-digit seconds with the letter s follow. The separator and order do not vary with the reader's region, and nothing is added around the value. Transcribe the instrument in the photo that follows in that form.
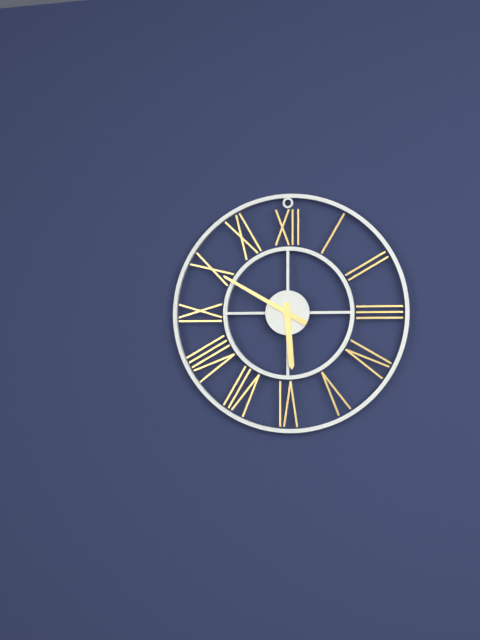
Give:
5h50
